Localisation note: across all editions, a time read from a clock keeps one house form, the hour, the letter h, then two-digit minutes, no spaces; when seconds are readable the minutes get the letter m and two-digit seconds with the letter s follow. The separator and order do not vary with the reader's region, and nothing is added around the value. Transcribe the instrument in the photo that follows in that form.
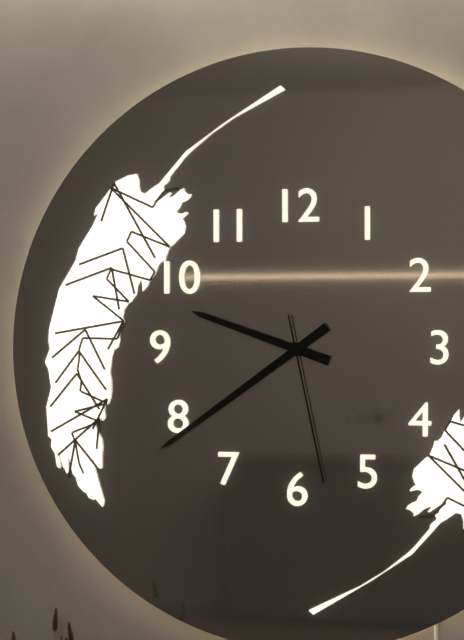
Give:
9h39m28s
